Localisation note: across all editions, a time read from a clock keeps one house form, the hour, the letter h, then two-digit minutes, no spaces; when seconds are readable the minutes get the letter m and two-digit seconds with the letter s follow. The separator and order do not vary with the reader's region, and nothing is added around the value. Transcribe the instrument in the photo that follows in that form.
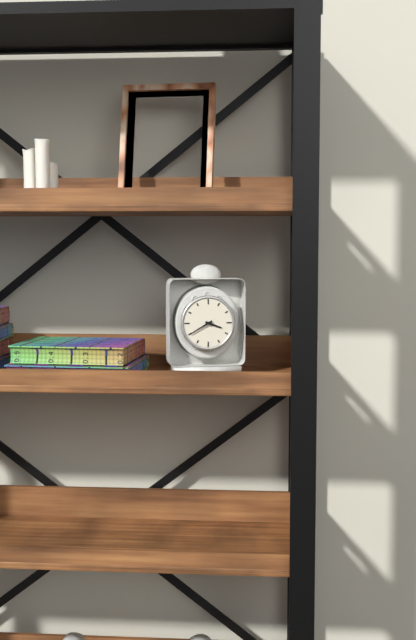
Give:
3h40
